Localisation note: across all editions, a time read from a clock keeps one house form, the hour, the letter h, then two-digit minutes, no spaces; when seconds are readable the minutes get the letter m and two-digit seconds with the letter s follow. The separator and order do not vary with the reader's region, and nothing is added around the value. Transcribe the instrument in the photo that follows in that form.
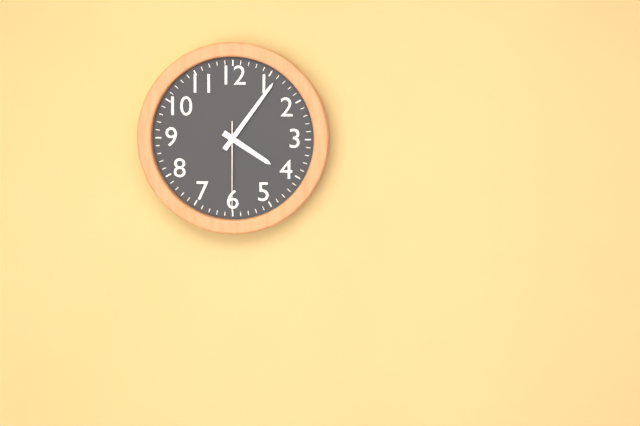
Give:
4h06m30s
